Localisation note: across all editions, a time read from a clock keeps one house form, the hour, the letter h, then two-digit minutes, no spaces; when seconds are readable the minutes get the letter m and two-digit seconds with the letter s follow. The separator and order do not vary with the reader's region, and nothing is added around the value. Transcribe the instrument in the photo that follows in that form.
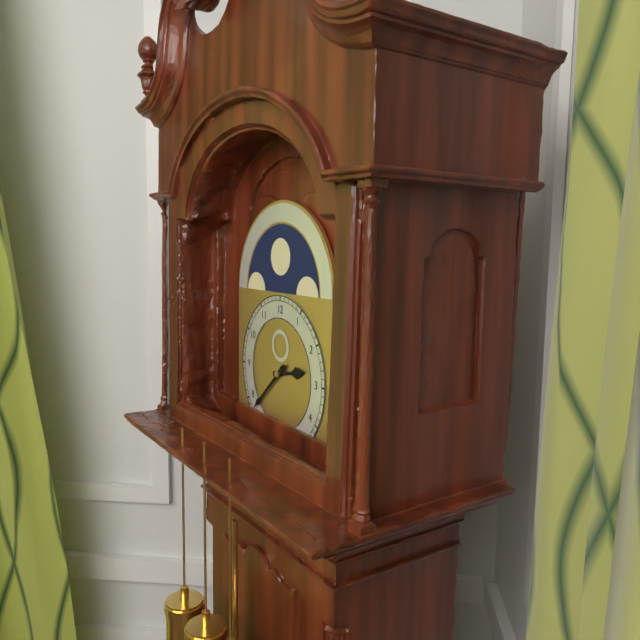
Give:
2h38
